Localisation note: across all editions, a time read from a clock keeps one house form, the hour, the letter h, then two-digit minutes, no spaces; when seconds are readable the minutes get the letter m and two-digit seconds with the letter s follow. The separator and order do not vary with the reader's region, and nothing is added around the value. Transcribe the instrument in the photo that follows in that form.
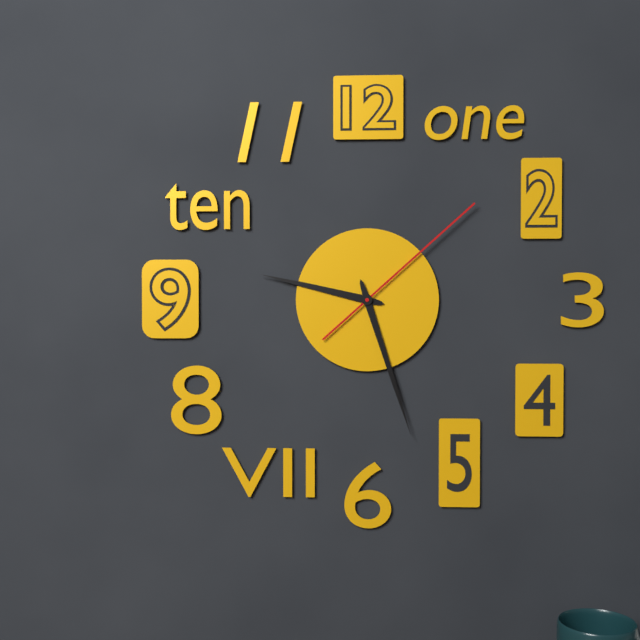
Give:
9h27m08s
